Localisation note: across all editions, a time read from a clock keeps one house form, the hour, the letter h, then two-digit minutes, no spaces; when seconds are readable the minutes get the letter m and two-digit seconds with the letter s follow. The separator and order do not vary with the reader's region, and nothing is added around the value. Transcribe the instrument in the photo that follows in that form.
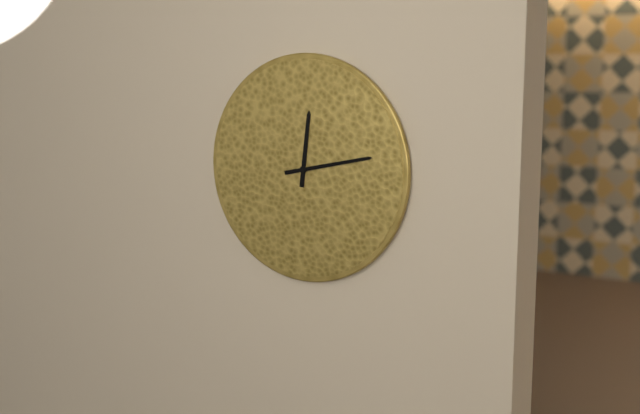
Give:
12h13
